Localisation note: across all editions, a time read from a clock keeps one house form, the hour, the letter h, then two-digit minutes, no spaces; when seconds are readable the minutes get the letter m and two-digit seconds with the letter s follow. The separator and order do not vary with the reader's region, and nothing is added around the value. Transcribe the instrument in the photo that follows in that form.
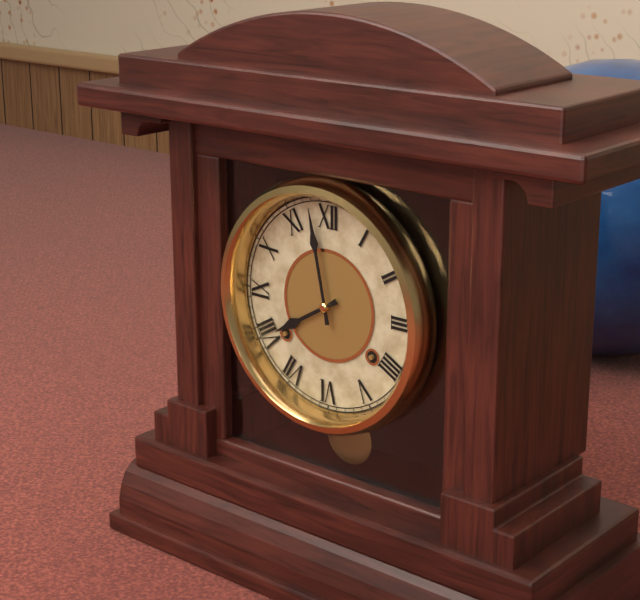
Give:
7h58
